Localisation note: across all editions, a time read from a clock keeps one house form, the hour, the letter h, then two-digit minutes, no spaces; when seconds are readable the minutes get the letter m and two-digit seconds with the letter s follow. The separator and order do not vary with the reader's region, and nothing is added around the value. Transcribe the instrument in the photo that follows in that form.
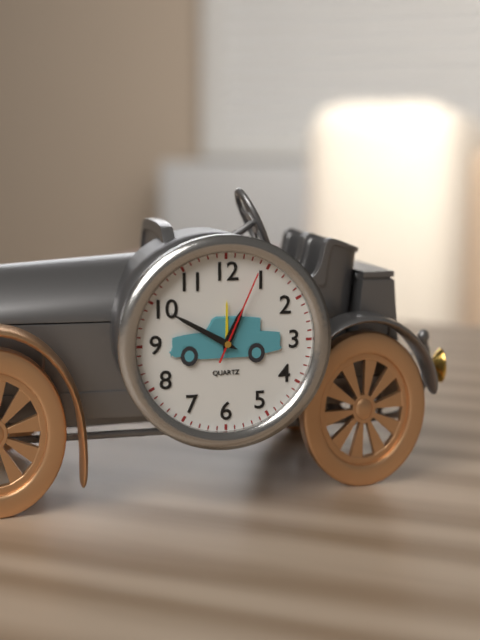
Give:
12h50m04s
